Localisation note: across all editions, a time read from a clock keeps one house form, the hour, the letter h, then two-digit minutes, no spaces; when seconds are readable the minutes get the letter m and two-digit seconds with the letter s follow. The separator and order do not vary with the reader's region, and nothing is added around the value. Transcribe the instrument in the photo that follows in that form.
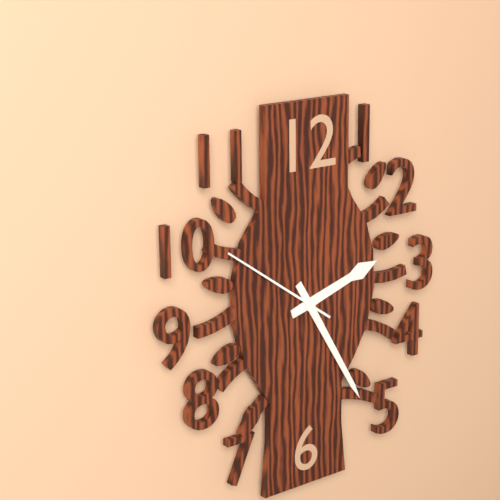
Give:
2h25m51s
